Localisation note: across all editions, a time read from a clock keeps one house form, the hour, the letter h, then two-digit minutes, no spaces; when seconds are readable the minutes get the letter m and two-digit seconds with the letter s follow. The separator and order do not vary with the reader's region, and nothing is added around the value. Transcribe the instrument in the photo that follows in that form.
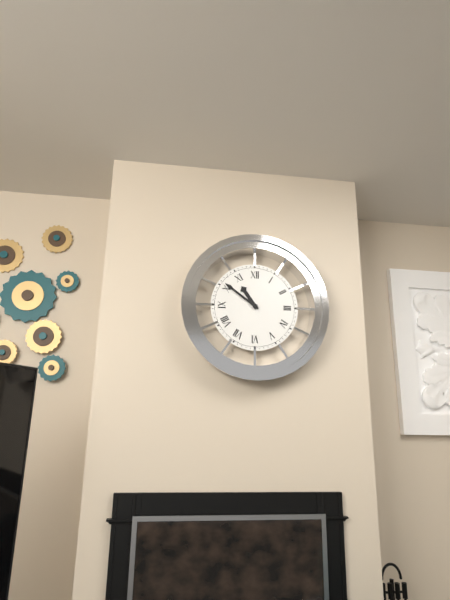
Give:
10h51
